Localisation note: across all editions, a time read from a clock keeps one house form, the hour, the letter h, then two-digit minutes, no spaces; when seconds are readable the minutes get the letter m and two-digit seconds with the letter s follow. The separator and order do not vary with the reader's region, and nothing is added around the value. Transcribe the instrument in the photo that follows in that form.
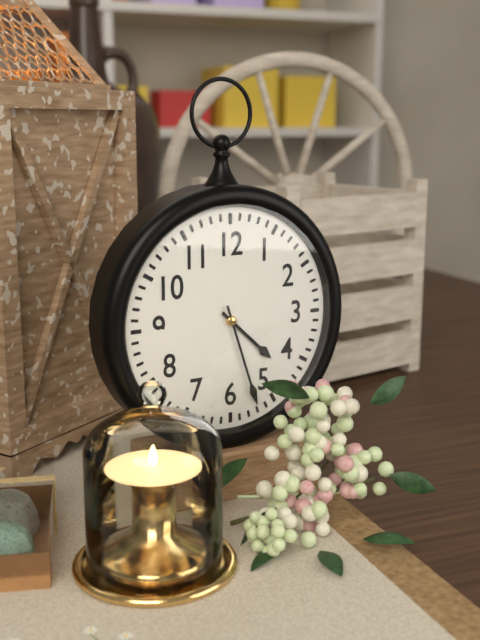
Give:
4h27
